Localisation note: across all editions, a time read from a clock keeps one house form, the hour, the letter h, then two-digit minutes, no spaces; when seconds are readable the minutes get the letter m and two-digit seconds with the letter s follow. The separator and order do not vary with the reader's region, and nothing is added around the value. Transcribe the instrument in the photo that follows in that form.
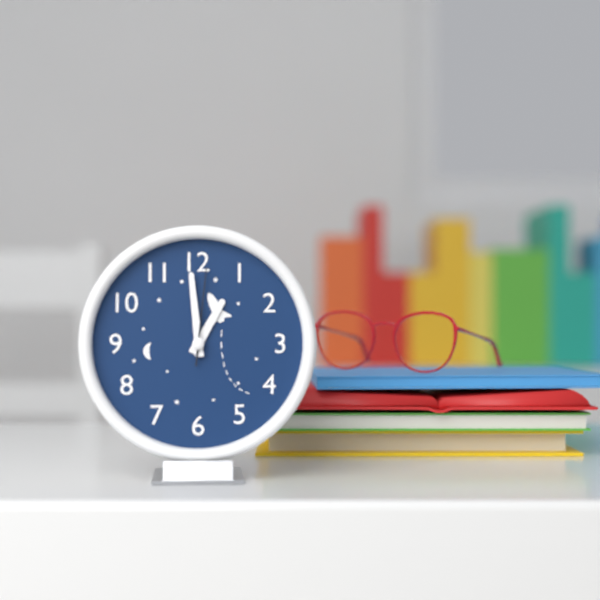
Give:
12h59m01s
